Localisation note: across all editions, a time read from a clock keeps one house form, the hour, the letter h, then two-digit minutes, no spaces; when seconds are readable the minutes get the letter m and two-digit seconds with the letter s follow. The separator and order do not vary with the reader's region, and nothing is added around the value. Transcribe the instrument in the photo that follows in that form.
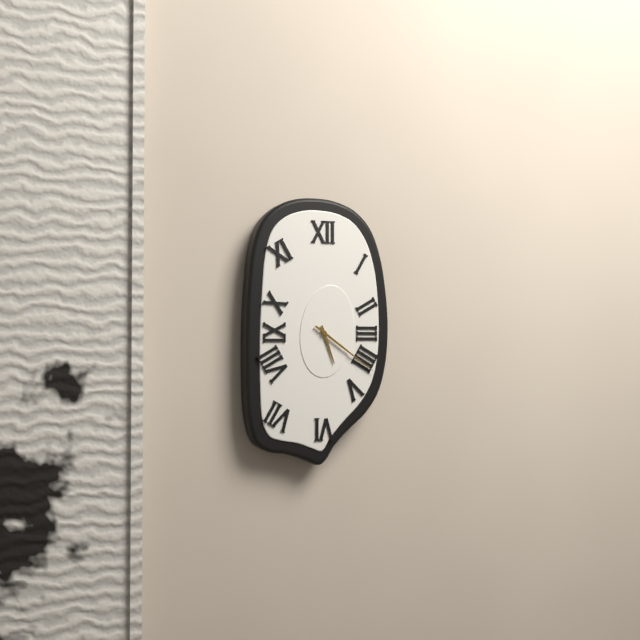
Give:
5h21
